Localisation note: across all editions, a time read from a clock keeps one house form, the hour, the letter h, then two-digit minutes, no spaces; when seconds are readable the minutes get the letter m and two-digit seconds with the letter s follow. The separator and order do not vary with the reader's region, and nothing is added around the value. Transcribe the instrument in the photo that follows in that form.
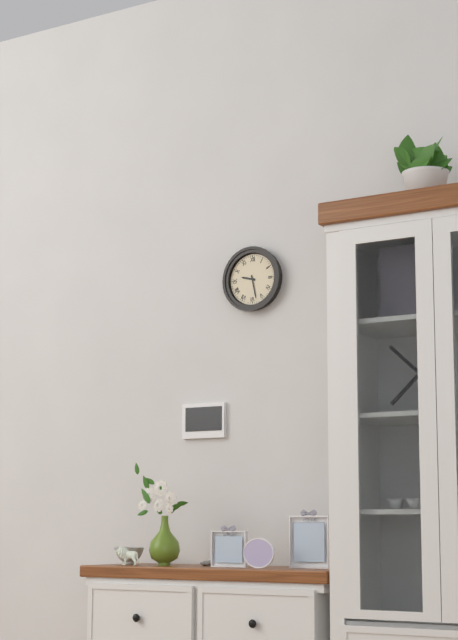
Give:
9h28
